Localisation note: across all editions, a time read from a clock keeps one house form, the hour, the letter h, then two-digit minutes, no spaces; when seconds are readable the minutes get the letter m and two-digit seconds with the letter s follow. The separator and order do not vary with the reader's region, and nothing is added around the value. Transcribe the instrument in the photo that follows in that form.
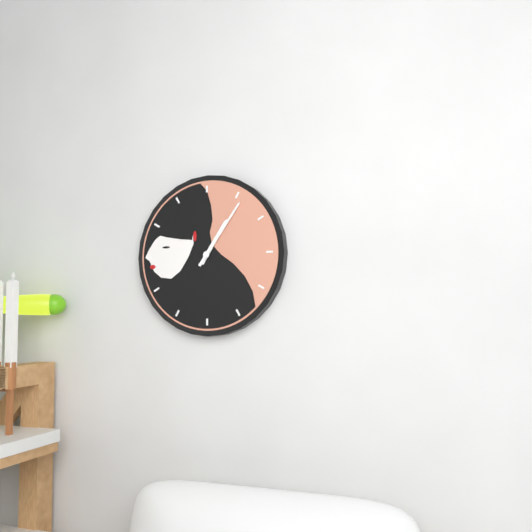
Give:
1h06
